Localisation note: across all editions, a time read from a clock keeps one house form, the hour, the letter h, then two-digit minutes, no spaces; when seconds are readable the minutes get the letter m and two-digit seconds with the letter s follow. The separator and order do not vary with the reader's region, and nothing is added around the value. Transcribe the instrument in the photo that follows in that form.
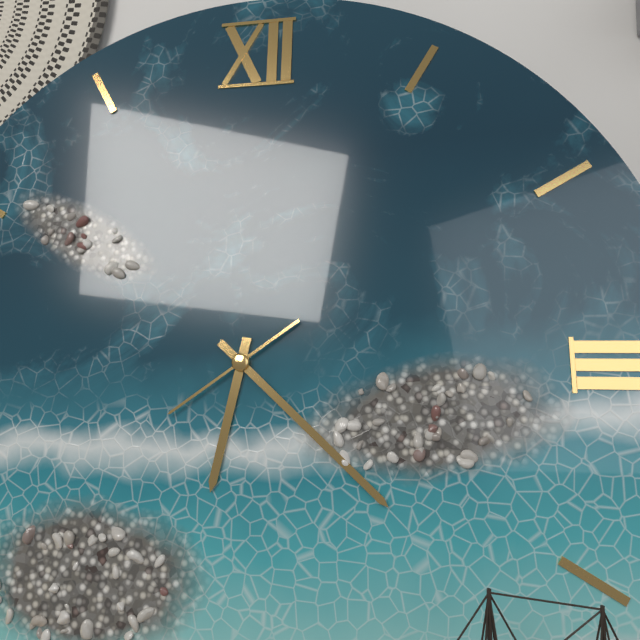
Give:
6h22m39s
